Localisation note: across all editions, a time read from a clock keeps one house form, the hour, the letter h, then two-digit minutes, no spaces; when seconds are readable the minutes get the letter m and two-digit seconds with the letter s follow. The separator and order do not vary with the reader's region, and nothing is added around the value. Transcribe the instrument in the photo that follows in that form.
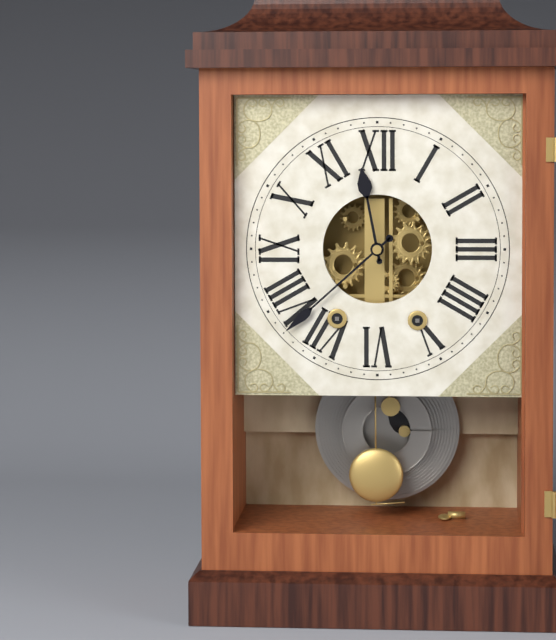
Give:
11h38
